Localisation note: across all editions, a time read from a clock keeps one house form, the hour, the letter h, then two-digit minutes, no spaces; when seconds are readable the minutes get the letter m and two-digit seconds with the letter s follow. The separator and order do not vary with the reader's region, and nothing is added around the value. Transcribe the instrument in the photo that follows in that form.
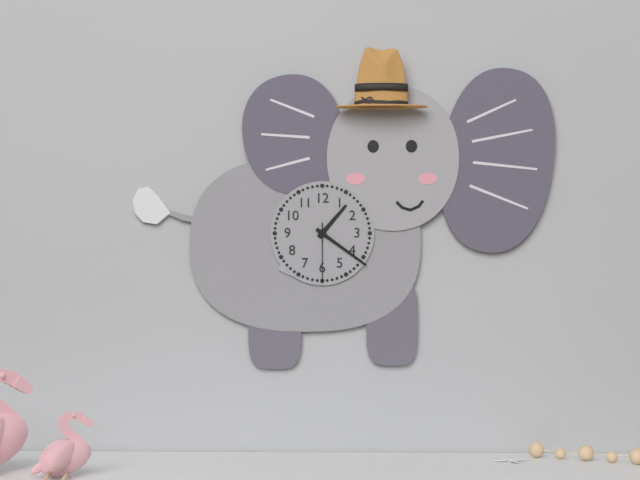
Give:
1h21m30s
